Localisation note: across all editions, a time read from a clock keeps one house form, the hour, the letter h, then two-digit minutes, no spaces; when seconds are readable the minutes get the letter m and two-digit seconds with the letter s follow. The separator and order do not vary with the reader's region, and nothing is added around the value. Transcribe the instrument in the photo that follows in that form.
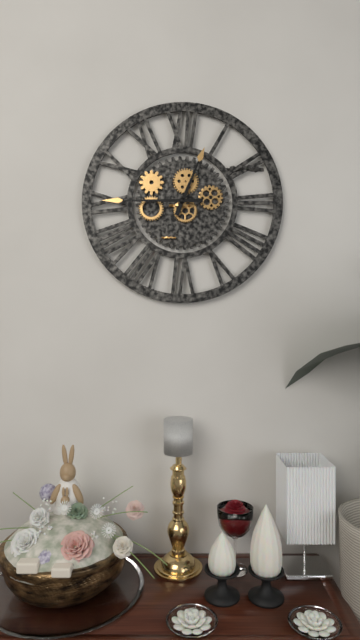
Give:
12h45
